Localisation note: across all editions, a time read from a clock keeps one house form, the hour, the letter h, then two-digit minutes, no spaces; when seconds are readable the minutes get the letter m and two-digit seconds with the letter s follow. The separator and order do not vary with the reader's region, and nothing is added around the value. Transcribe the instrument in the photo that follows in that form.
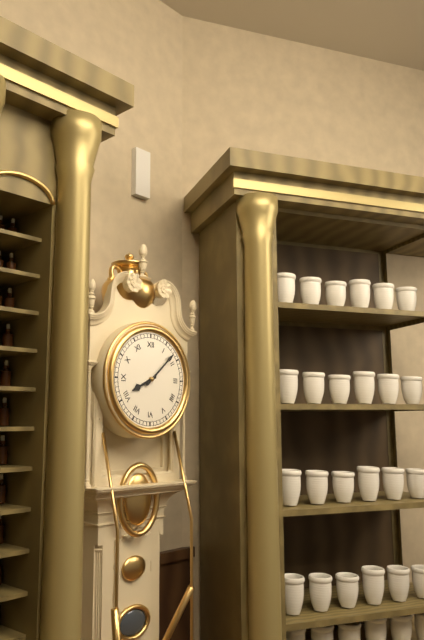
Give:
8h08
